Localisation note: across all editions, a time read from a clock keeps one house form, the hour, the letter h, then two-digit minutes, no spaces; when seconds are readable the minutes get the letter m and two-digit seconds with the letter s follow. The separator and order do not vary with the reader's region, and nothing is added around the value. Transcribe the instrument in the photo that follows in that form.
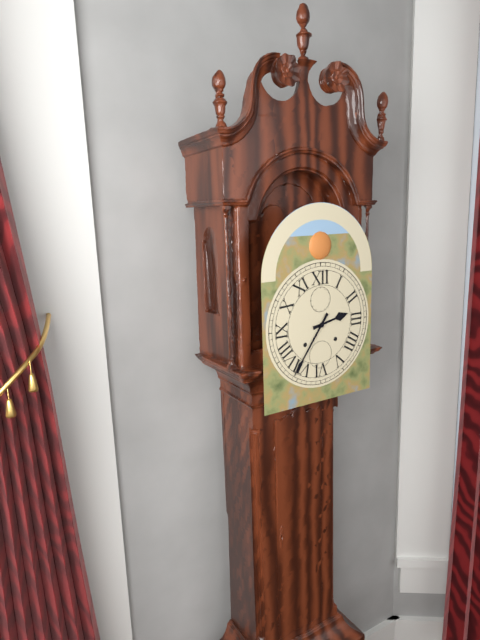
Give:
2h36
